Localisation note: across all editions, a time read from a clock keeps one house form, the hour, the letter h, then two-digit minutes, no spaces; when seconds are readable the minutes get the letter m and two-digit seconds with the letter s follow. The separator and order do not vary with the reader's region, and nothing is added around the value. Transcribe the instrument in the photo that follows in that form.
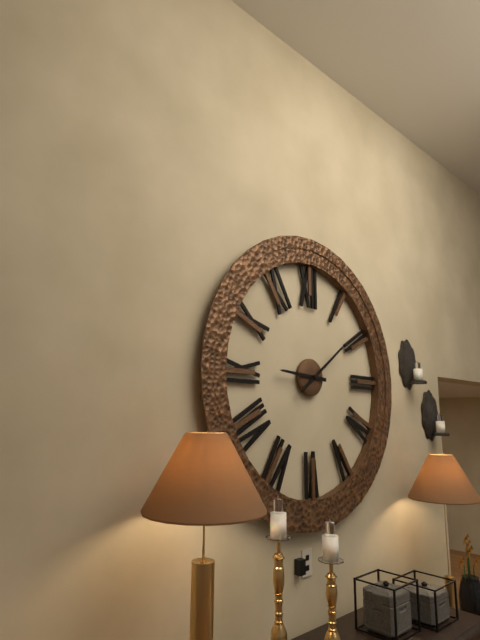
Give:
9h09
